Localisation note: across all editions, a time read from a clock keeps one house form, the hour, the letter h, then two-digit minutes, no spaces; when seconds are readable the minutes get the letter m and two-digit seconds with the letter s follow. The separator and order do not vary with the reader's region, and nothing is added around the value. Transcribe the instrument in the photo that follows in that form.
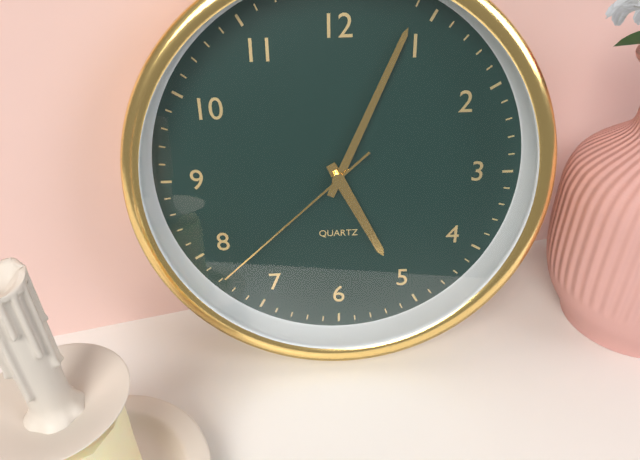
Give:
5h04m38s
